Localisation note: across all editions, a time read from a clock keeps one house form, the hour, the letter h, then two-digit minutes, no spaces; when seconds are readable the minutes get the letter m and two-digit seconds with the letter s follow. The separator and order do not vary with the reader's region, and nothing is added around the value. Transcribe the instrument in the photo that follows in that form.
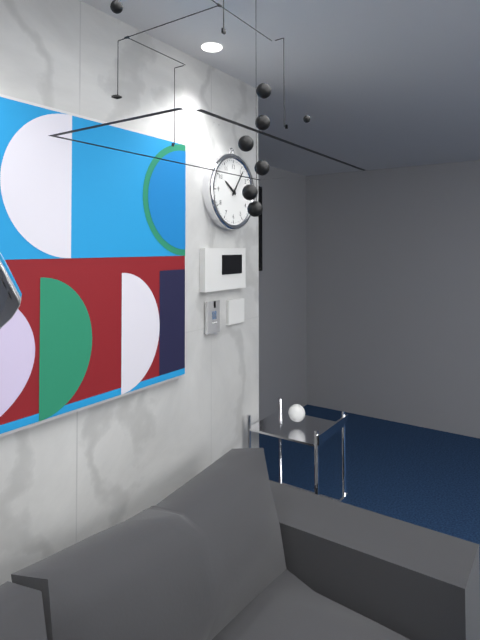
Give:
10h06
